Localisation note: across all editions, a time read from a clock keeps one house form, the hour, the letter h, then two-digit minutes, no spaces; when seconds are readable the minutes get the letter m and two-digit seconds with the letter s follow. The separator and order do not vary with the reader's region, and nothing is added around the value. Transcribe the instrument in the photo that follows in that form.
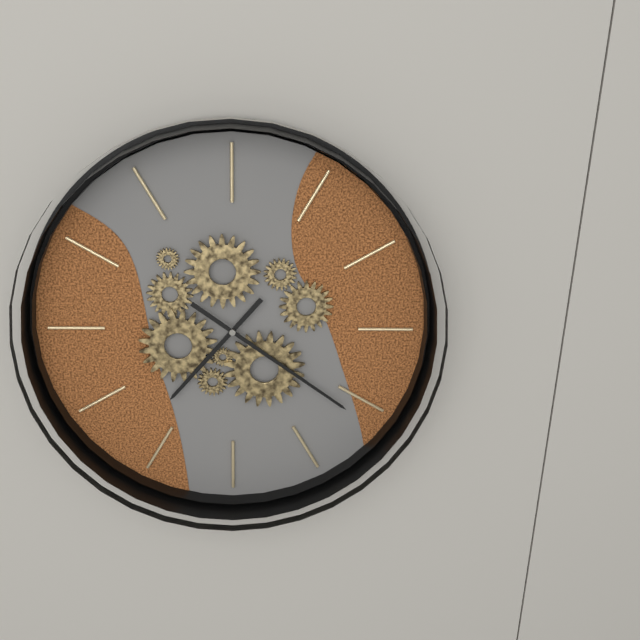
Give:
7h21
